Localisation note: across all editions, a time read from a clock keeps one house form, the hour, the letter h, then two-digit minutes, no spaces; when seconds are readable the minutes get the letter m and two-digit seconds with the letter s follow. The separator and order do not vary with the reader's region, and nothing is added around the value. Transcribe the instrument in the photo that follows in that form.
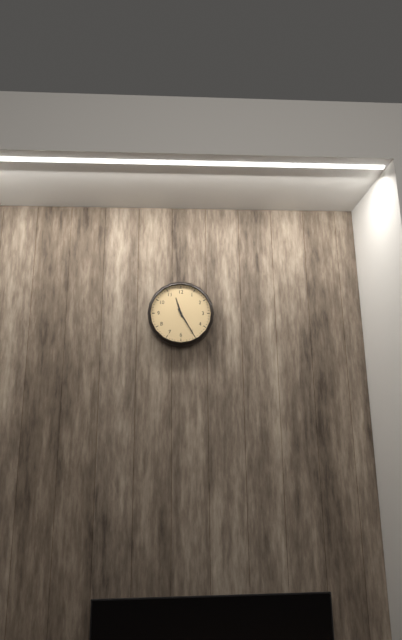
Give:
11h25
